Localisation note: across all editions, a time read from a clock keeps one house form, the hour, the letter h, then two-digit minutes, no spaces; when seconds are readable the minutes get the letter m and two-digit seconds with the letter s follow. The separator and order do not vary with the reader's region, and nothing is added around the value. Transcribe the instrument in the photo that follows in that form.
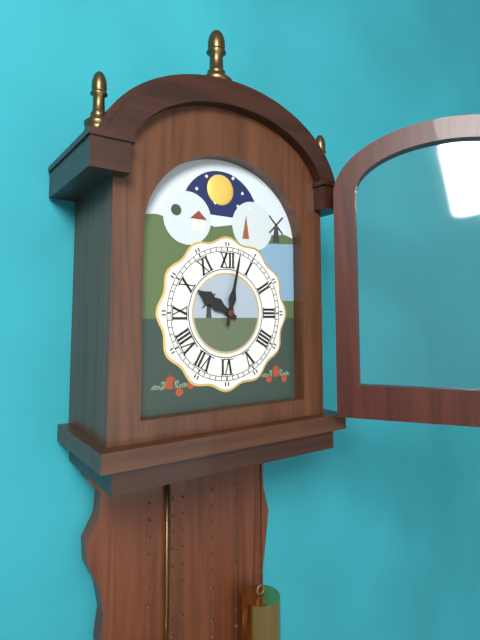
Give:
10h02
